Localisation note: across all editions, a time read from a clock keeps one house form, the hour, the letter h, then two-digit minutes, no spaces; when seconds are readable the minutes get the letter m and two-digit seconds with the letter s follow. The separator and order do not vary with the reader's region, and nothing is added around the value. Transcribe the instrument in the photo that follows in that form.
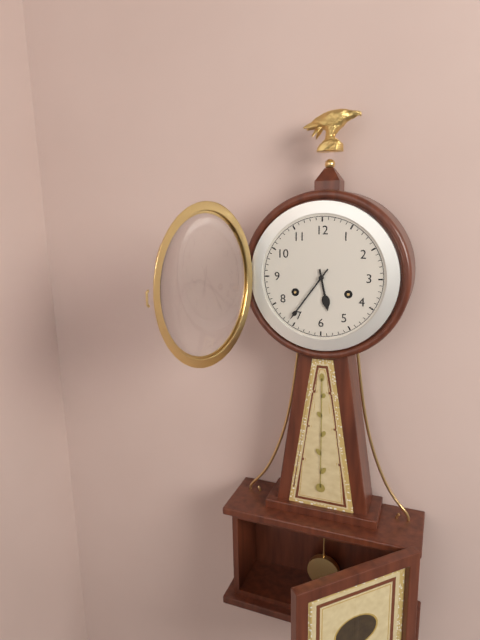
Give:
5h36
